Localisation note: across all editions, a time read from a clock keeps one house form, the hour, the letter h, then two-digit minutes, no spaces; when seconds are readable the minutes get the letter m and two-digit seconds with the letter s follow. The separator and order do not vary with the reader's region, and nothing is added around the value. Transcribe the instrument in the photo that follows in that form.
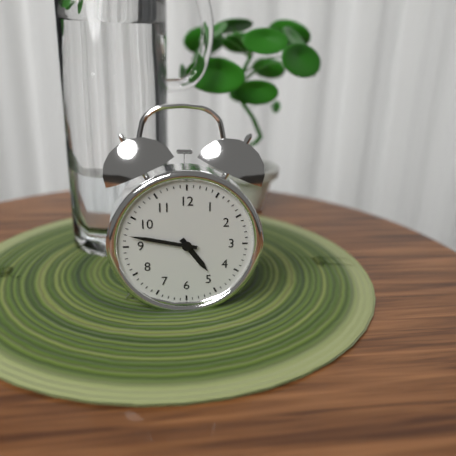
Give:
4h47
